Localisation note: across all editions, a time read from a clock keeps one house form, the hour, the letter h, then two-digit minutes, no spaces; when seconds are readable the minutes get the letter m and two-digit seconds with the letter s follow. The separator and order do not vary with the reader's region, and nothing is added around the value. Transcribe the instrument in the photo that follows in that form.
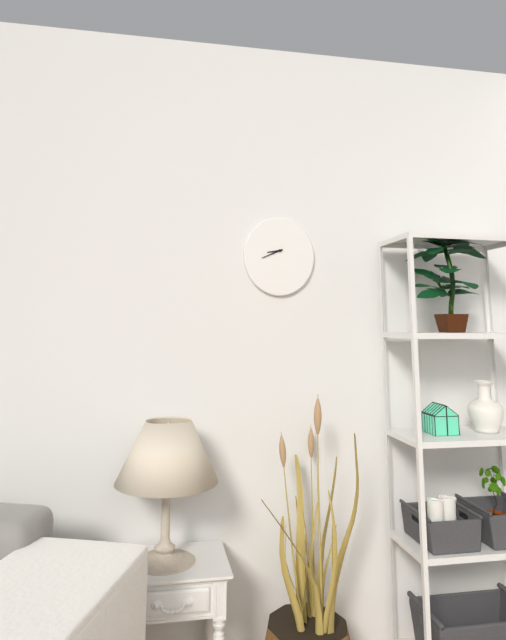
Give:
8h41
